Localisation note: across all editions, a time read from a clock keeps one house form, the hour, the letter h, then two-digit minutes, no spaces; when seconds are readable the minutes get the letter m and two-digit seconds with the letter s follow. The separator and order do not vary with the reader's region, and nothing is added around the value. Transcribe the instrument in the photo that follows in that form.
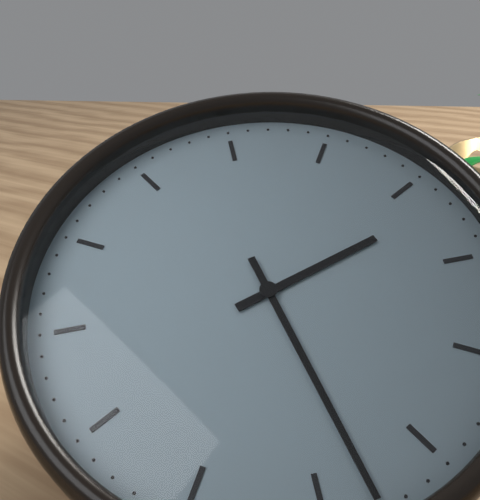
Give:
1h23
